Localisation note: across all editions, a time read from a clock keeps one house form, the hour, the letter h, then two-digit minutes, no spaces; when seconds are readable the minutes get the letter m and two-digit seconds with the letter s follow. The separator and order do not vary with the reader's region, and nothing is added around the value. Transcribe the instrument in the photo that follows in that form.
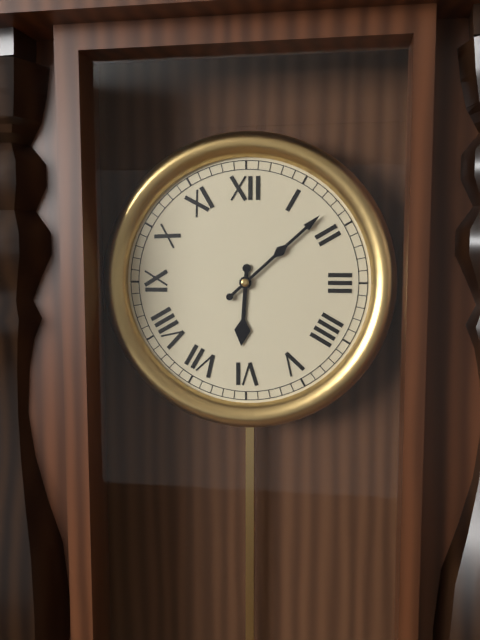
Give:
6h08
